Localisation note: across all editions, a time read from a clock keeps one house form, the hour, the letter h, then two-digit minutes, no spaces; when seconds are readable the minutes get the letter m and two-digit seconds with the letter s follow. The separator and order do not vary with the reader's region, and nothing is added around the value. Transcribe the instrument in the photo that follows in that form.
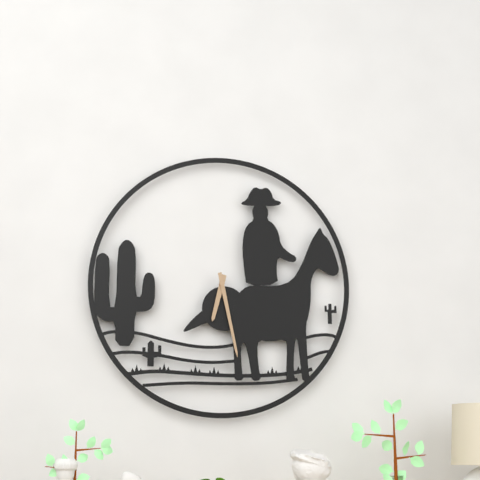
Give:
6h28
